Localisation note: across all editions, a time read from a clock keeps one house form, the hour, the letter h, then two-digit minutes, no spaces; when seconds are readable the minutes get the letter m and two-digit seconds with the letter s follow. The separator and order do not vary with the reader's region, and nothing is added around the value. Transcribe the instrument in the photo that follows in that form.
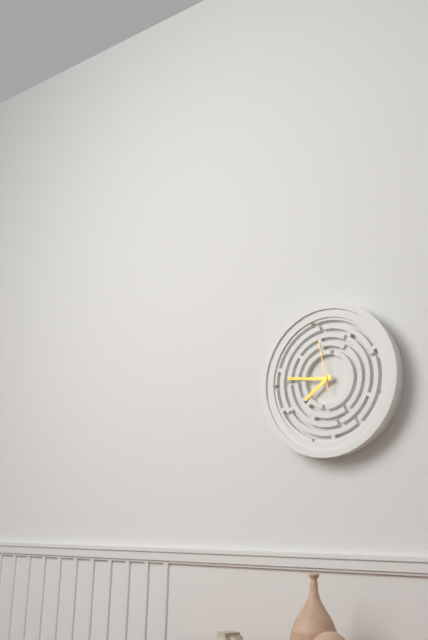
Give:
7h46m58s
